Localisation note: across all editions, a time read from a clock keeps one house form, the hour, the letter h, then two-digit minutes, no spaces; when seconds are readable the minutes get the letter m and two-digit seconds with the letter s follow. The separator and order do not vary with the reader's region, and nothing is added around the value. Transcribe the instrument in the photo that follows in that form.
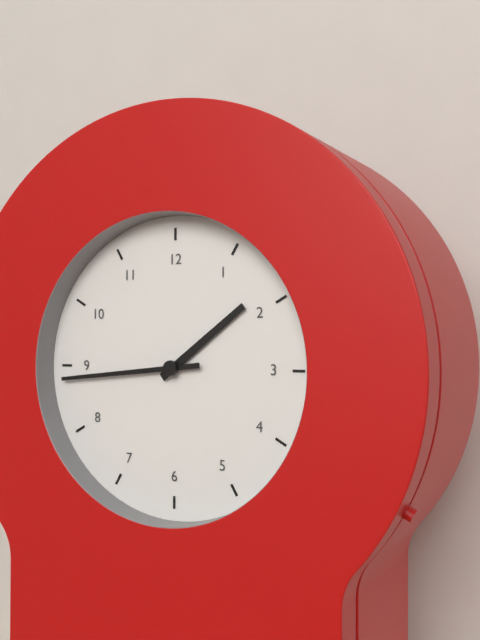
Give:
1h44
